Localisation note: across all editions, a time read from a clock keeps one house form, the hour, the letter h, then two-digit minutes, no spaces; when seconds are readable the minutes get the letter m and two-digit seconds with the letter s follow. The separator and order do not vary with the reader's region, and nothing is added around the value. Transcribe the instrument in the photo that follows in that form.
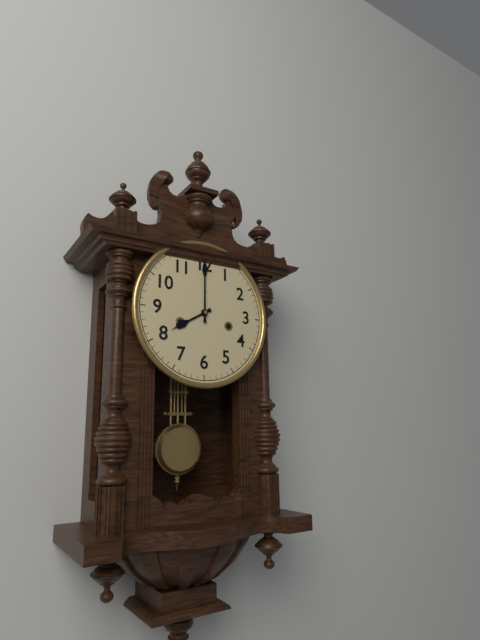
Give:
8h00
